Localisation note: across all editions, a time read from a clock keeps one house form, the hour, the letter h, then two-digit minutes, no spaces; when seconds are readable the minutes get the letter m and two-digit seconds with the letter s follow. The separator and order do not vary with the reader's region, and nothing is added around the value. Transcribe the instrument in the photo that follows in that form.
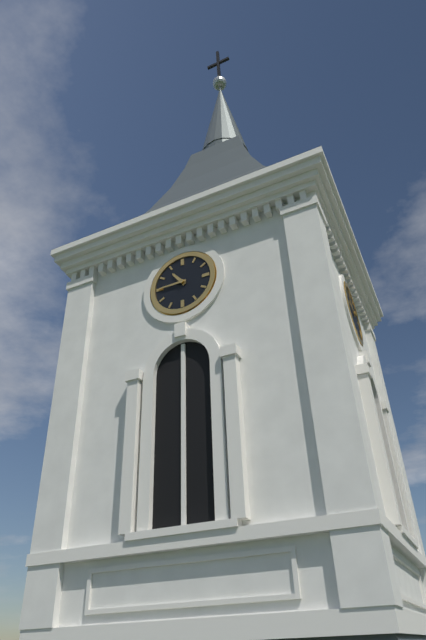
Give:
10h45
